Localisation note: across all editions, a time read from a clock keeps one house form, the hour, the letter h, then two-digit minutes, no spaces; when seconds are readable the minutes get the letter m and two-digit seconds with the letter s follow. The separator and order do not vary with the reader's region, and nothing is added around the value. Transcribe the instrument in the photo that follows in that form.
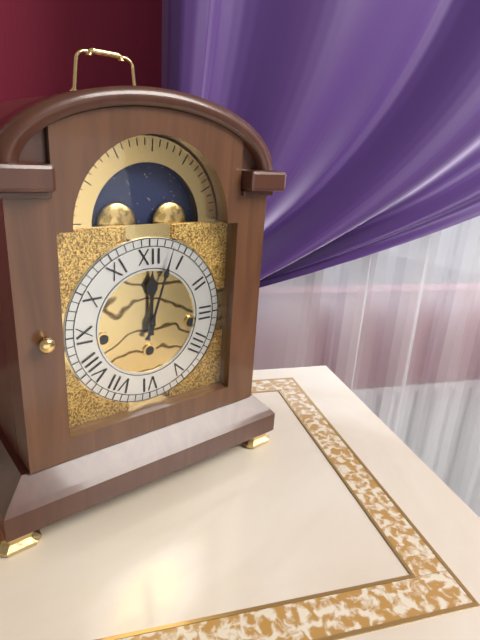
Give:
12h03
